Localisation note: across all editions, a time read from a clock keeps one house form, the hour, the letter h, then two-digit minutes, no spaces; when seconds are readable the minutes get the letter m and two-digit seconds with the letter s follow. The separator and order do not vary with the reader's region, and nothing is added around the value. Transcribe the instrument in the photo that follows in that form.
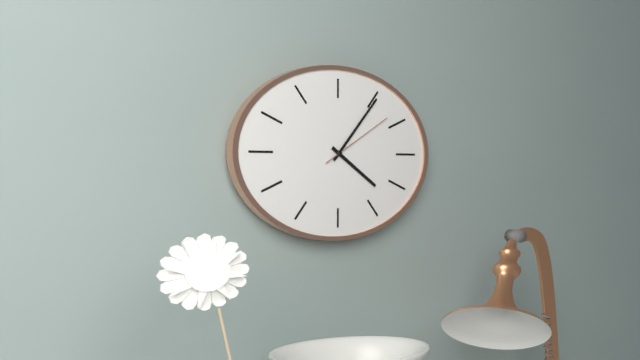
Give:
4h07m10s
